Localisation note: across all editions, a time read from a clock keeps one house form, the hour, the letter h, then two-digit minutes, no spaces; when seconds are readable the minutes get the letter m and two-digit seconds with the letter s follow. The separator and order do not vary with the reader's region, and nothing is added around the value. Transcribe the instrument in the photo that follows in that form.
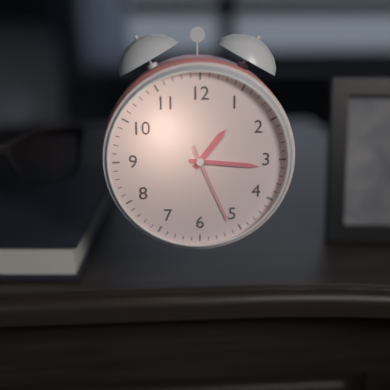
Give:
1h16m26s
